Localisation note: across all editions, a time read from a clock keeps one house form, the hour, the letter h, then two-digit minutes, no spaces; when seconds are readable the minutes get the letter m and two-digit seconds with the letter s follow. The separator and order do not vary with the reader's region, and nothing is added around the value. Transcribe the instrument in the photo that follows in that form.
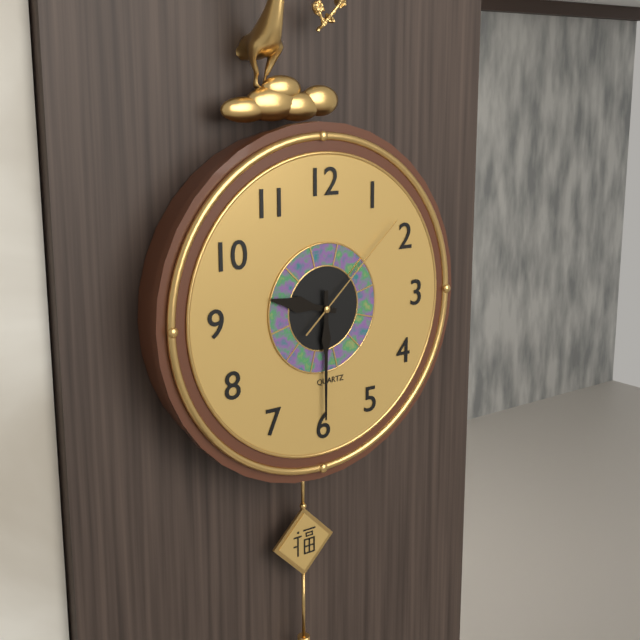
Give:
9h30m08s
